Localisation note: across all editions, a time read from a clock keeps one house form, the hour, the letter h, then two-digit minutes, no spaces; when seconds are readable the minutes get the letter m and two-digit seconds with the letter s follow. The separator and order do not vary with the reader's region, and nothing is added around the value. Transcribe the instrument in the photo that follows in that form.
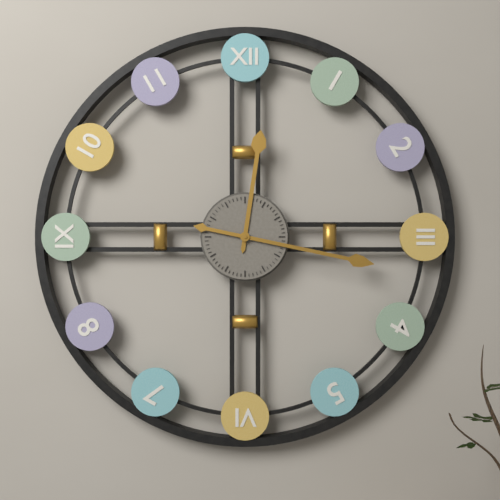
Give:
12h17
